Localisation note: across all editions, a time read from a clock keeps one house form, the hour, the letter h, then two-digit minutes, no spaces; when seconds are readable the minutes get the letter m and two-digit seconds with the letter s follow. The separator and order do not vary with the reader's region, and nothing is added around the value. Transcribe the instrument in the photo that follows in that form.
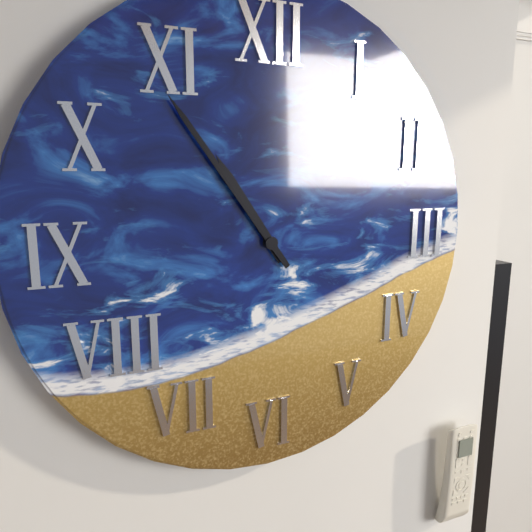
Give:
10h54
